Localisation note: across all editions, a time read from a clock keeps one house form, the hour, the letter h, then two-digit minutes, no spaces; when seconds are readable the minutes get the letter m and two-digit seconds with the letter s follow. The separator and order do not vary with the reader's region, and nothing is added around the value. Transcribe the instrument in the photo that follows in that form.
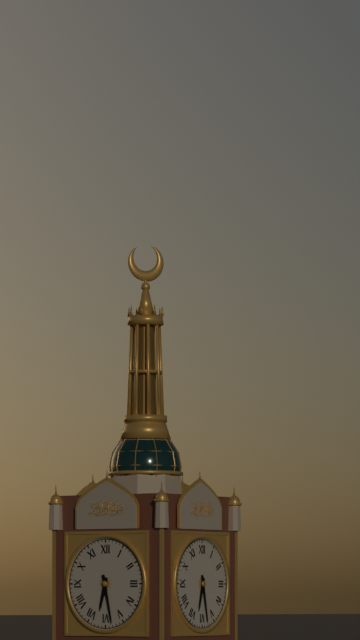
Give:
6h28
